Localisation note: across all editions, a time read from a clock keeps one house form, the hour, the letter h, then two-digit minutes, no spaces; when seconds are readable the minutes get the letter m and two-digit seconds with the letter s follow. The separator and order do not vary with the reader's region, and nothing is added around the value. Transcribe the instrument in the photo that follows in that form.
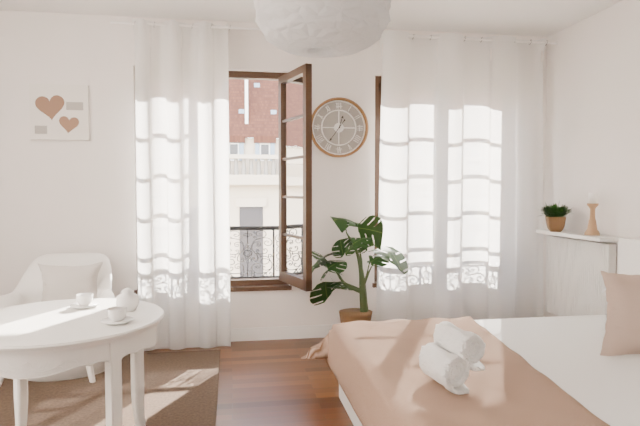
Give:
12h36
